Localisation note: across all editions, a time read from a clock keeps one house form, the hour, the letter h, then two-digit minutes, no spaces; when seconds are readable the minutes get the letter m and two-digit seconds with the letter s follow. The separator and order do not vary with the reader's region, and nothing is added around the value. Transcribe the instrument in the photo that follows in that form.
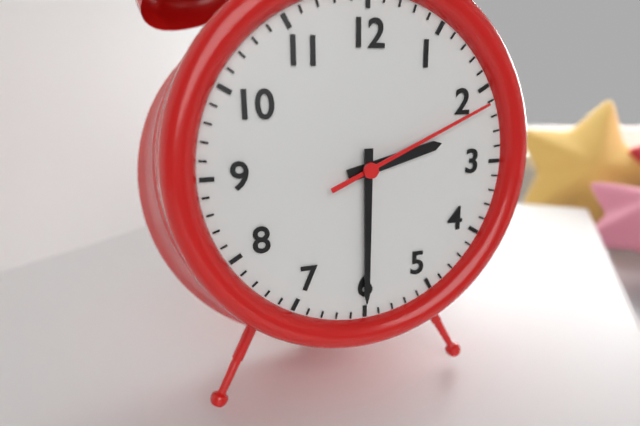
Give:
2h30m11s
